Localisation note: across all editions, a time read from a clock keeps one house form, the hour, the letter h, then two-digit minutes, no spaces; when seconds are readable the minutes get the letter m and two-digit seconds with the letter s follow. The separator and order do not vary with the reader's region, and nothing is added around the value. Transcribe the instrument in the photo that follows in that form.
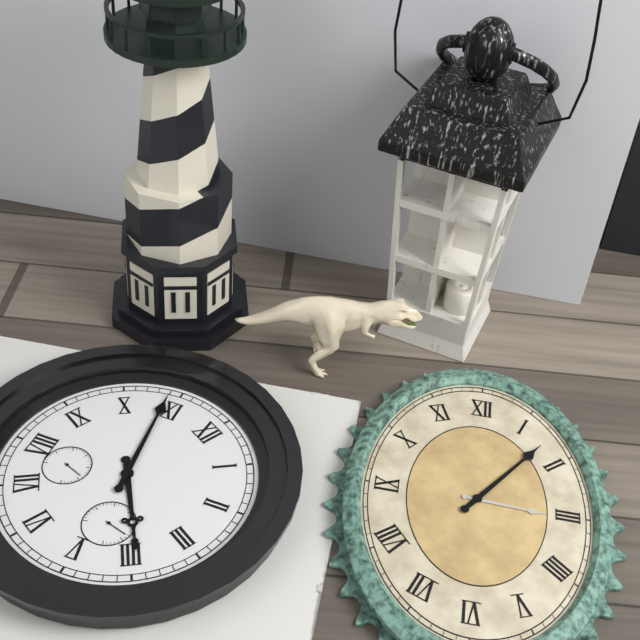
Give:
3h54
